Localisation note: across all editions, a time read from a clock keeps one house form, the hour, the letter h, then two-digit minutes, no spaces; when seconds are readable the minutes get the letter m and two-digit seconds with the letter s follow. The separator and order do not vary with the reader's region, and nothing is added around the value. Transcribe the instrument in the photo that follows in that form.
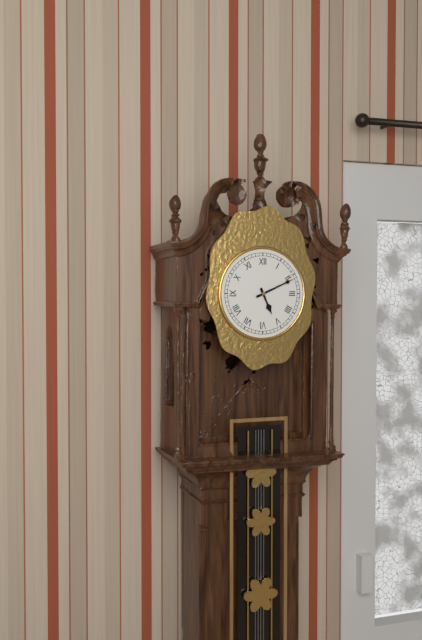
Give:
5h11
